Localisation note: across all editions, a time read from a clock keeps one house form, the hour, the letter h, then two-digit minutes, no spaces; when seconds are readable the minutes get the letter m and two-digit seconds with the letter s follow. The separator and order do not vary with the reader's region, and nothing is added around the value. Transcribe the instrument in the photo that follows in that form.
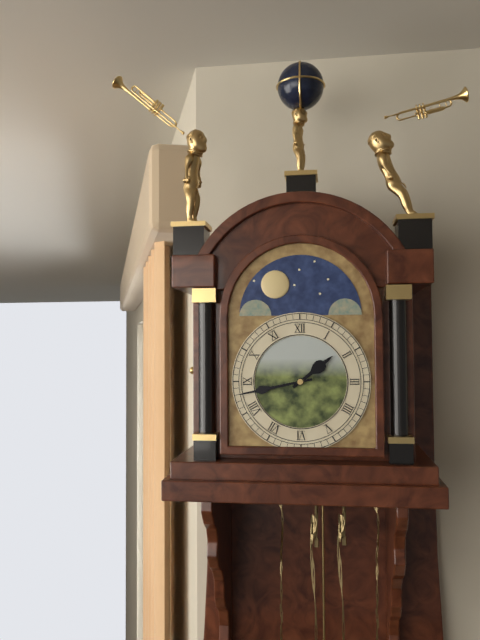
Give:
1h43
